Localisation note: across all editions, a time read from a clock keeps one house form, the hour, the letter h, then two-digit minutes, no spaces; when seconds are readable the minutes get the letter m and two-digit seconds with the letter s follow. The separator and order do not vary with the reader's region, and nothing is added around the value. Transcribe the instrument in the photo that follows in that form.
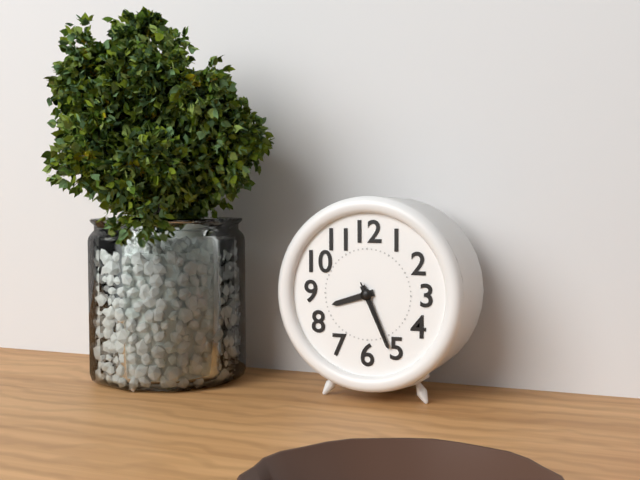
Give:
8h26m26s
